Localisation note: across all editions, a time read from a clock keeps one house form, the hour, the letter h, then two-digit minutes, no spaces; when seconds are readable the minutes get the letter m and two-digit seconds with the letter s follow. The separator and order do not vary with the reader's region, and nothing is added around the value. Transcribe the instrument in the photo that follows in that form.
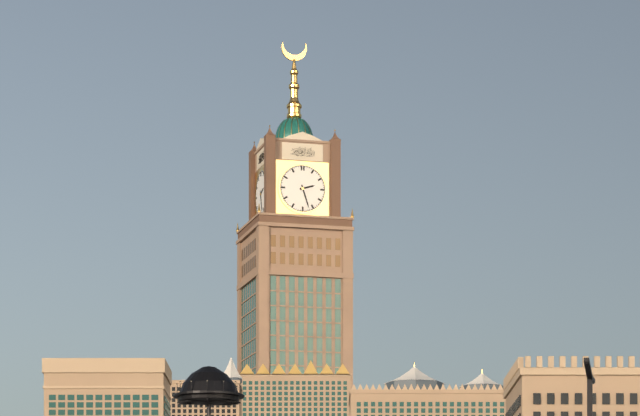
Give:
2h27
